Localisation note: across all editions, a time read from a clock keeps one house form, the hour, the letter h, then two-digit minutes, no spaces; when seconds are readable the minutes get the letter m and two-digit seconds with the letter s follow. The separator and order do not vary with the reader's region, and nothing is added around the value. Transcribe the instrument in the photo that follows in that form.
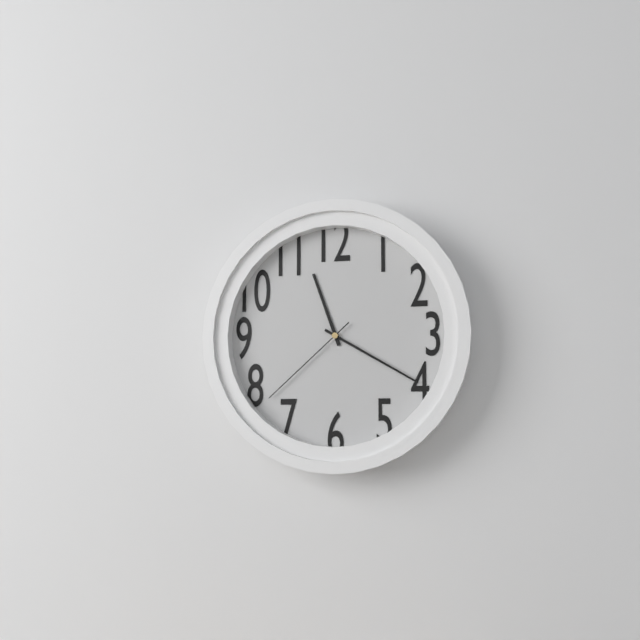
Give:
11h20m38s
